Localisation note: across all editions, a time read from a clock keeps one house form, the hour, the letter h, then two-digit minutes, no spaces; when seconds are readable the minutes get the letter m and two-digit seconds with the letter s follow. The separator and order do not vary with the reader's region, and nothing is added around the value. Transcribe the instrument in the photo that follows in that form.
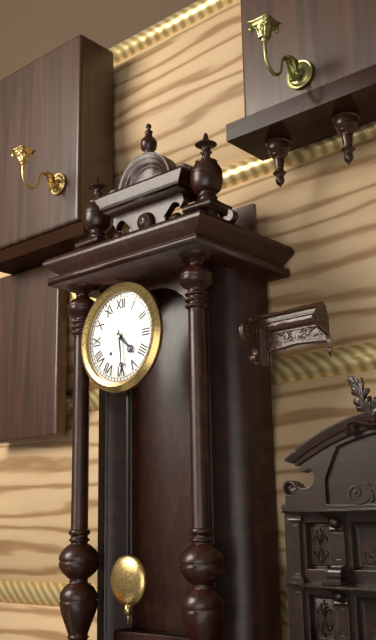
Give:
4h29
